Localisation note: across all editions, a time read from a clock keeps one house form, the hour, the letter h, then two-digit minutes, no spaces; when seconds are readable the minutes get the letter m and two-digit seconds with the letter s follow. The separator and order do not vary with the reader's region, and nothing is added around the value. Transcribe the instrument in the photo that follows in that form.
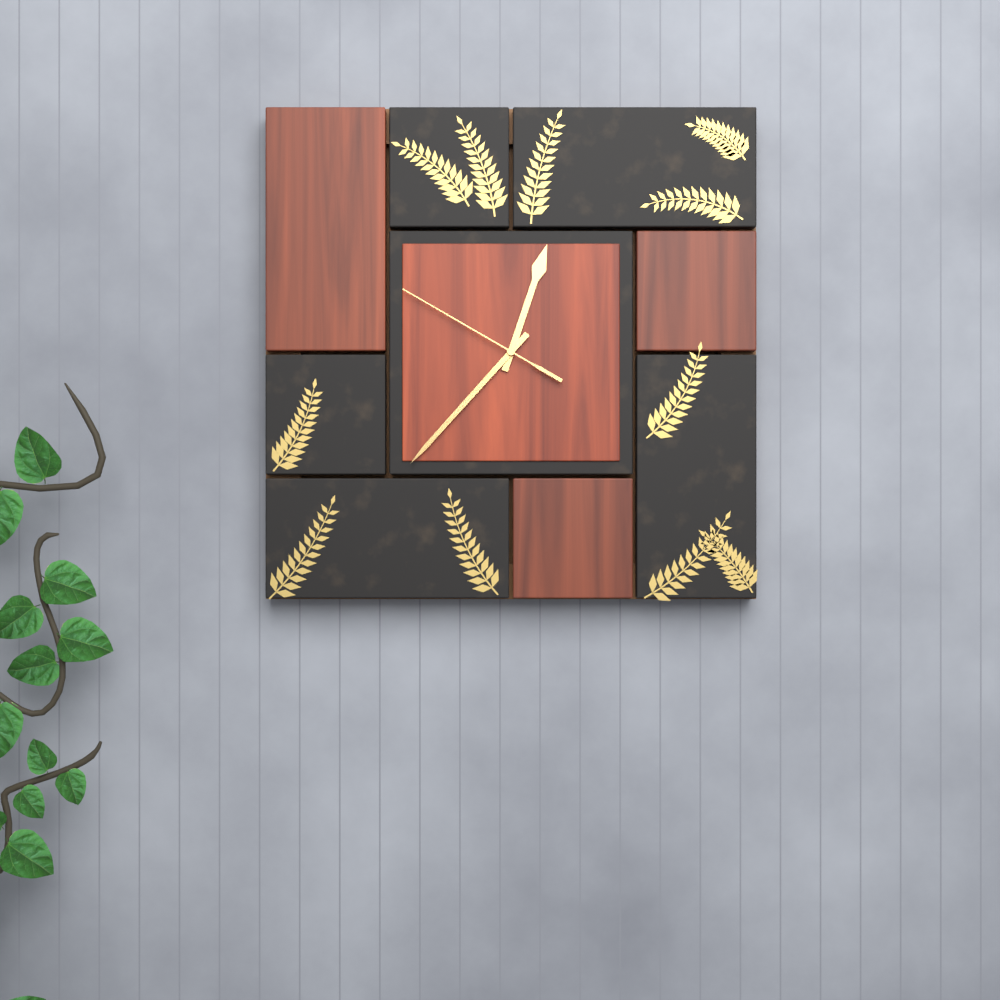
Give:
12h37m50s
